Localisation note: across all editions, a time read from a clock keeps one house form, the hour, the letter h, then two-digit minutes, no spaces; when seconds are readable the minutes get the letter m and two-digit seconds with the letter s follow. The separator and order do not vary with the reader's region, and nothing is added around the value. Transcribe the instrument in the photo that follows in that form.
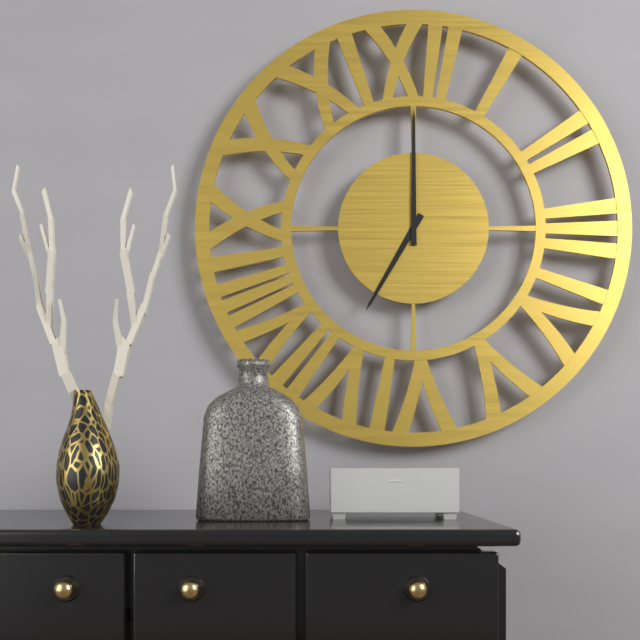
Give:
7h00
